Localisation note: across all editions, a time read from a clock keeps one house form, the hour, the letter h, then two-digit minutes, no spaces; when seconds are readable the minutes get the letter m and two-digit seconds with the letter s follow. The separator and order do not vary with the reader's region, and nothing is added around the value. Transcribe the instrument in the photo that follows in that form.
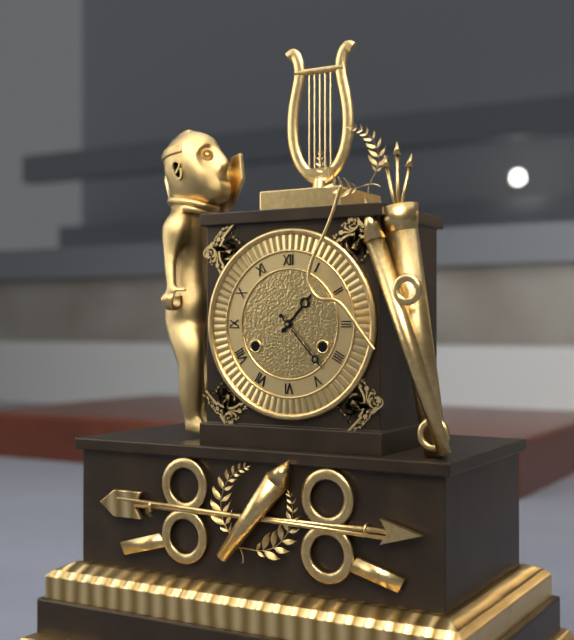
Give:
1h23
